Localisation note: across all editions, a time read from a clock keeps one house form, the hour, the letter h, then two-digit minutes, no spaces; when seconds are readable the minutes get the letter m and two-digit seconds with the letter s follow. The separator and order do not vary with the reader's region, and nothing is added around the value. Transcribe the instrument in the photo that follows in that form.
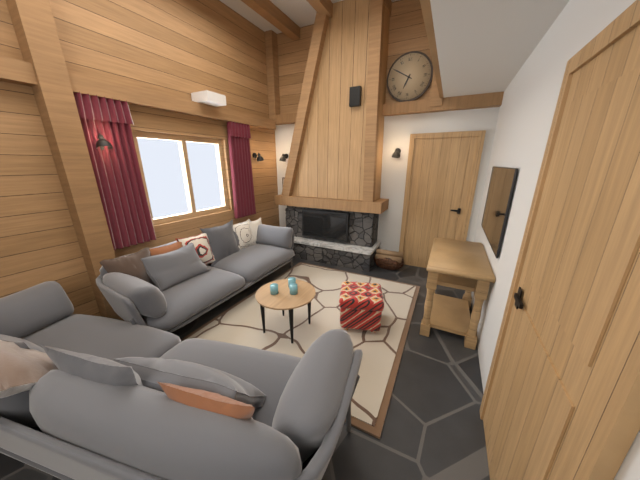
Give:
6h50
